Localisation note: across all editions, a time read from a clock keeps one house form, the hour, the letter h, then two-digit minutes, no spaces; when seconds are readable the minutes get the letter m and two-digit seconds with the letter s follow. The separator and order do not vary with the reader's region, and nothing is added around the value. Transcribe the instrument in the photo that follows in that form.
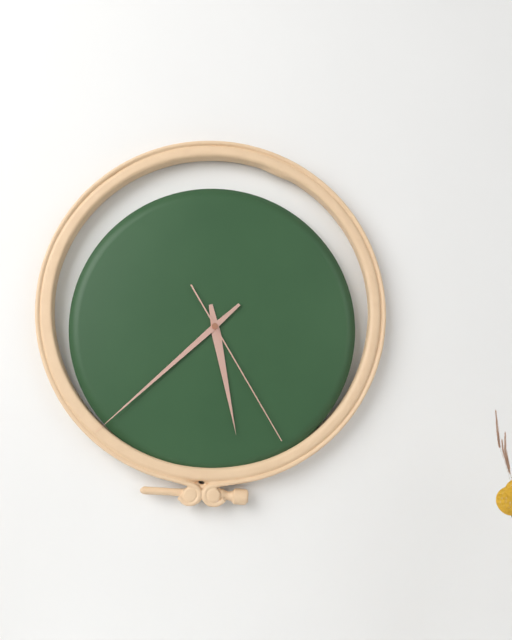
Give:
5h38m25s
